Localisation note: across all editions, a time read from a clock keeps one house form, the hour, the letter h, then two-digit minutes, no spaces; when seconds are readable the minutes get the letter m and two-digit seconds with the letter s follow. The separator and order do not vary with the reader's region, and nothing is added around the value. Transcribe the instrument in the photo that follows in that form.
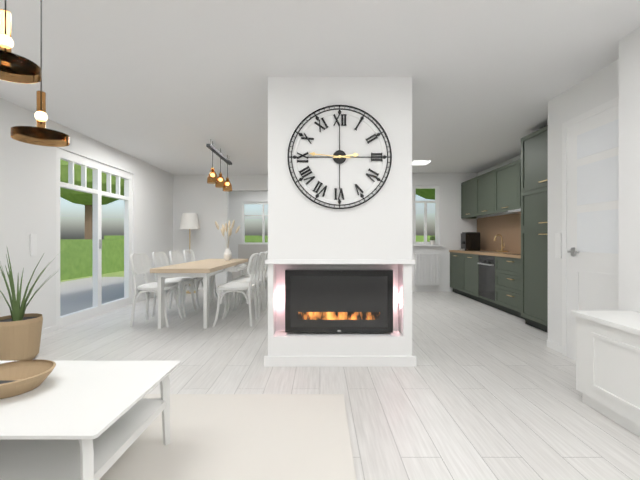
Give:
2h46
